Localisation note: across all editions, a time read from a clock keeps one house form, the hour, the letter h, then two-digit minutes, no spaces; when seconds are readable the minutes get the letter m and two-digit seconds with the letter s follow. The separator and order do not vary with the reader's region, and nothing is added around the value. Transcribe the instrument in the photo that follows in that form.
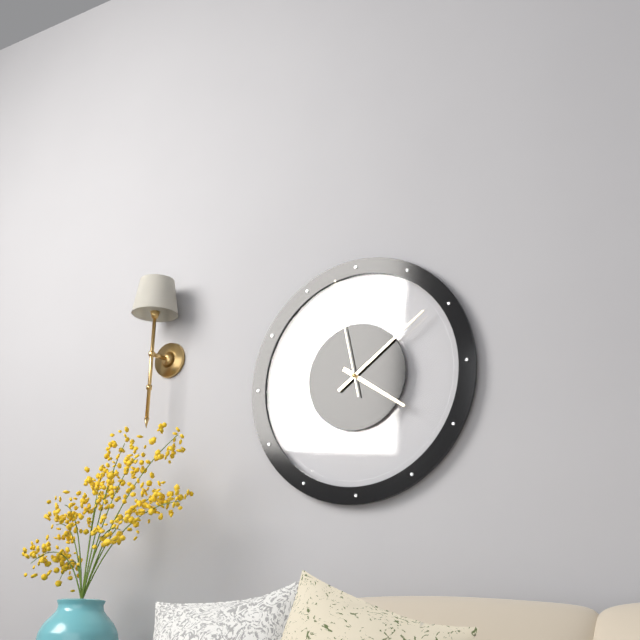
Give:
4h09m58s
